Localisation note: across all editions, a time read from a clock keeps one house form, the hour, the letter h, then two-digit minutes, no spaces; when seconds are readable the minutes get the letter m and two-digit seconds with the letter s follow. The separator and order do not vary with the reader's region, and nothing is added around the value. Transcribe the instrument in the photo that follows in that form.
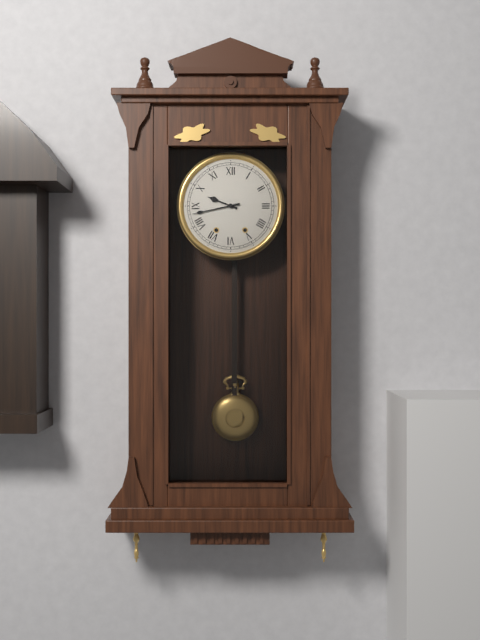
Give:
9h43
